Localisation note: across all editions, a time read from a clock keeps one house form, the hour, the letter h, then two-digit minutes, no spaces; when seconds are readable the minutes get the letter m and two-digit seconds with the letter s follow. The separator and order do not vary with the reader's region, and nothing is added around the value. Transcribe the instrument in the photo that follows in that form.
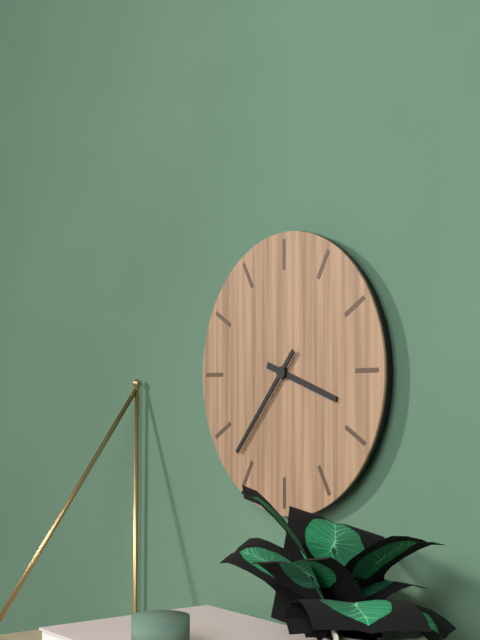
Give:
3h37
